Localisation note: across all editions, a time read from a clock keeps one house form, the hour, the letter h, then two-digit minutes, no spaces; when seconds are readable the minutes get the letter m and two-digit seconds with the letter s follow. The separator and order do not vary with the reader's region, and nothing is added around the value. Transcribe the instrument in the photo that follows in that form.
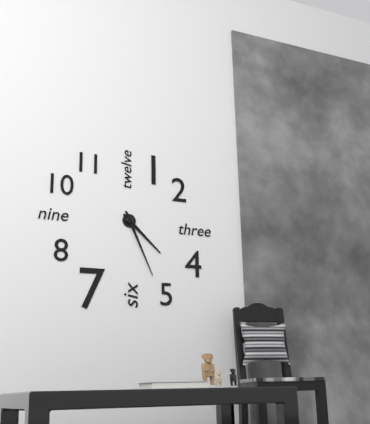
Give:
4h26
